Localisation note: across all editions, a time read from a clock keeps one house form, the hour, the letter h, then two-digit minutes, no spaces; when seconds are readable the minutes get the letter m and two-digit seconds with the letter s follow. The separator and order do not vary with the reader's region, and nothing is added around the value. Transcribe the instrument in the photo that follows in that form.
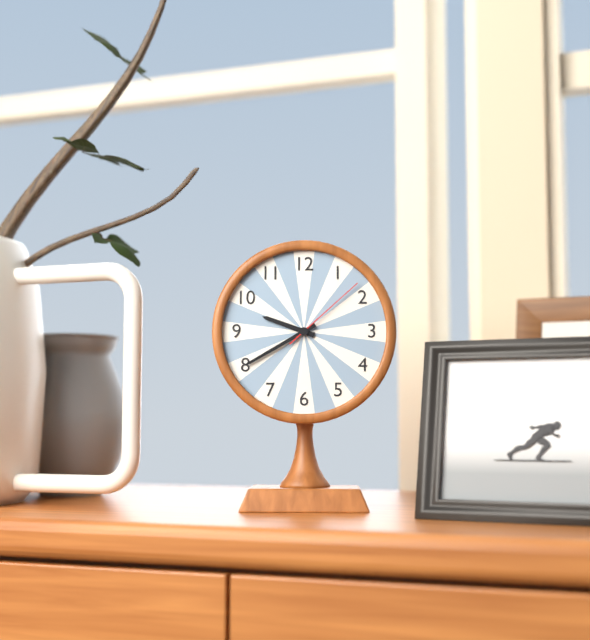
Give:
9h40m08s
